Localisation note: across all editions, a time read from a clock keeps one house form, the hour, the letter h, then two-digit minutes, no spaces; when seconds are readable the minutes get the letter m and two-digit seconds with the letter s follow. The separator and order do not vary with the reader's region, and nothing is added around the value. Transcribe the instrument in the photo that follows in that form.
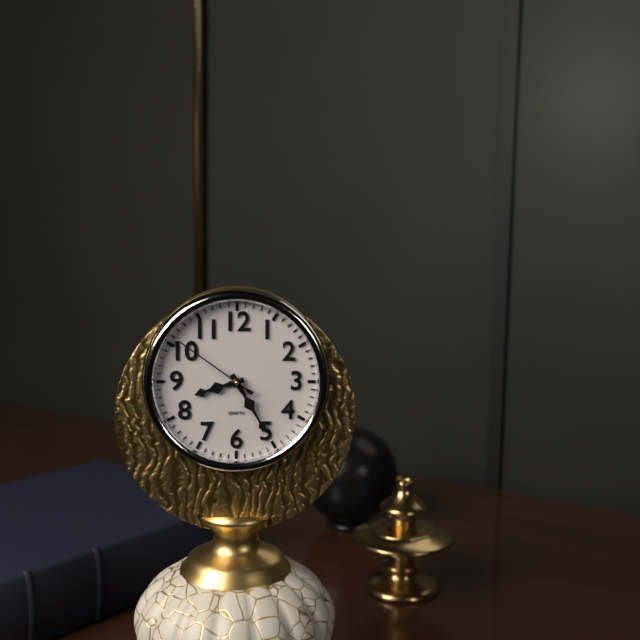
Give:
8h25m51s
